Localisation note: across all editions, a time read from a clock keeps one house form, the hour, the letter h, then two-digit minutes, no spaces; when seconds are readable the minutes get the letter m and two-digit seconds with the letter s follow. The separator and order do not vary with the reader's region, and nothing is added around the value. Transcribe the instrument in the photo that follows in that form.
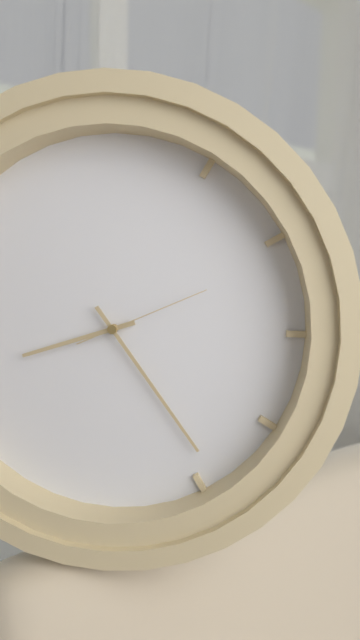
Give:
8h24m11s
